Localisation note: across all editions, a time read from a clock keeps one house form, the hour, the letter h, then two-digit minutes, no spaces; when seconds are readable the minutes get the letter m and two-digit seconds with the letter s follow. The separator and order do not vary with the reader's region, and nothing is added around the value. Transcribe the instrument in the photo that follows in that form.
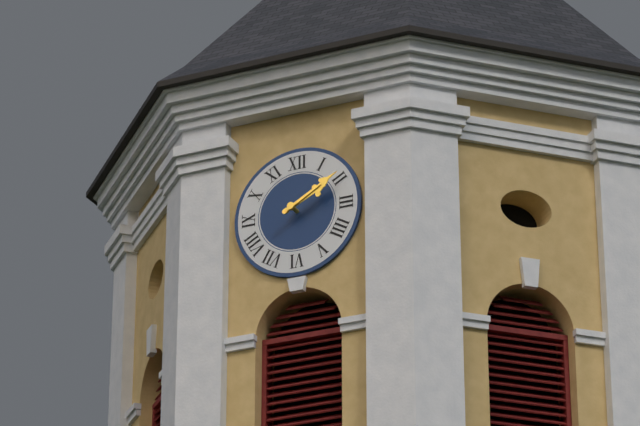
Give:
2h10
